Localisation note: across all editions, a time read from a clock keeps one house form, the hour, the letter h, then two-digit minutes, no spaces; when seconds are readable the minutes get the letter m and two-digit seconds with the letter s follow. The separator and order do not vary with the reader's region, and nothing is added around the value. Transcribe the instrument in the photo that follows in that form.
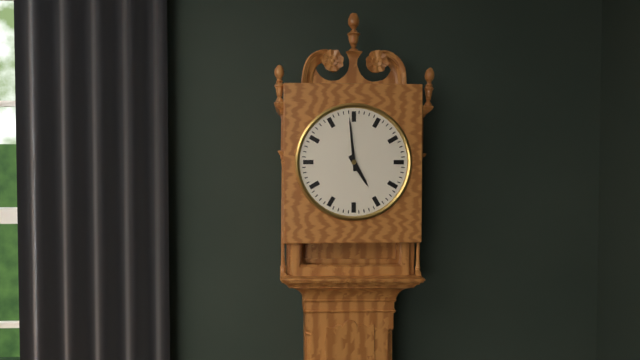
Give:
4h59
